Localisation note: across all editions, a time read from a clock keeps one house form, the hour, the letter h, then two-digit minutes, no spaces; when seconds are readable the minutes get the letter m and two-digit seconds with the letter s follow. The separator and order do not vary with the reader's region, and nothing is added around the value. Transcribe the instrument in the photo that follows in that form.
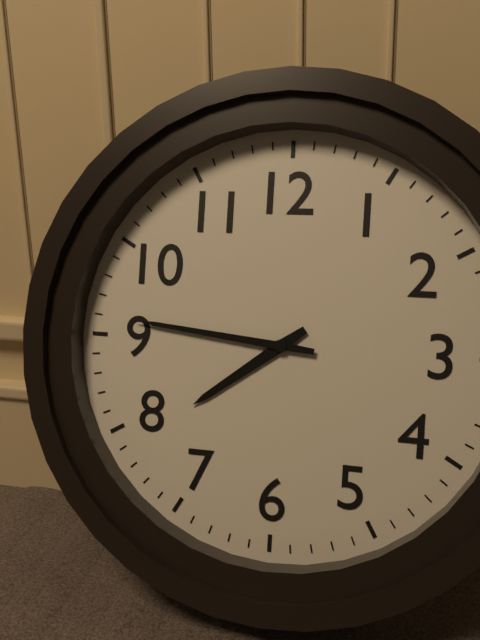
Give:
7h46
